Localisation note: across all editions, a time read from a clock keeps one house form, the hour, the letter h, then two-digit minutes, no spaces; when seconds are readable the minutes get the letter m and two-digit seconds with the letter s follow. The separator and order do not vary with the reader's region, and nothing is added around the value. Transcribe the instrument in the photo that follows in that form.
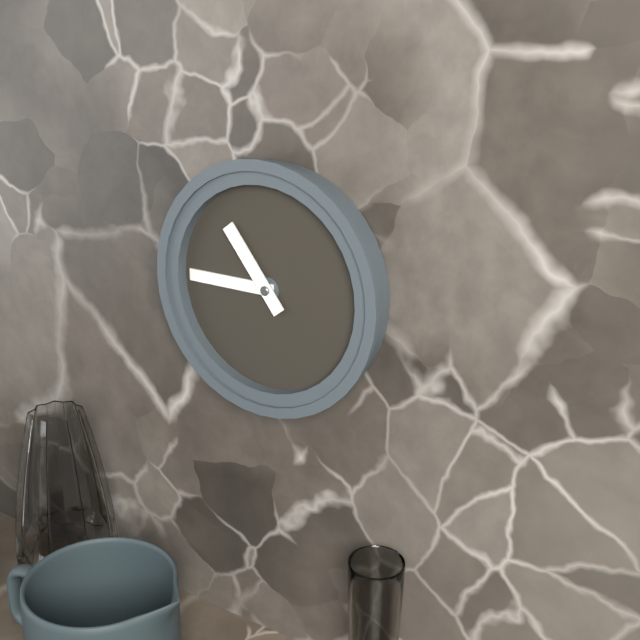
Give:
10h45
